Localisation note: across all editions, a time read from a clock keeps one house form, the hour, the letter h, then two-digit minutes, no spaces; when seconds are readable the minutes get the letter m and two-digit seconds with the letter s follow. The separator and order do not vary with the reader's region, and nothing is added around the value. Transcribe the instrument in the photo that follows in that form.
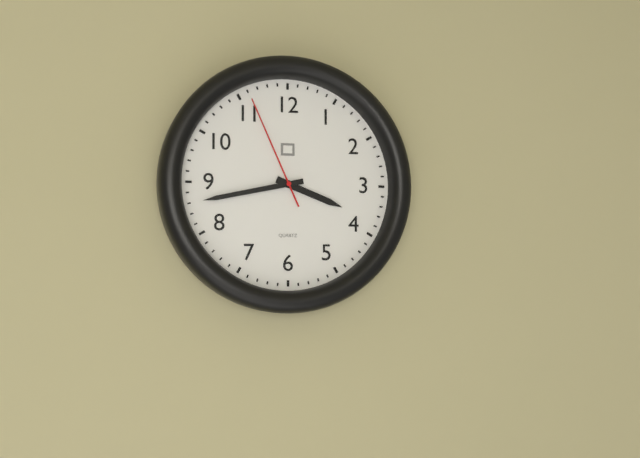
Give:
3h43m56s
